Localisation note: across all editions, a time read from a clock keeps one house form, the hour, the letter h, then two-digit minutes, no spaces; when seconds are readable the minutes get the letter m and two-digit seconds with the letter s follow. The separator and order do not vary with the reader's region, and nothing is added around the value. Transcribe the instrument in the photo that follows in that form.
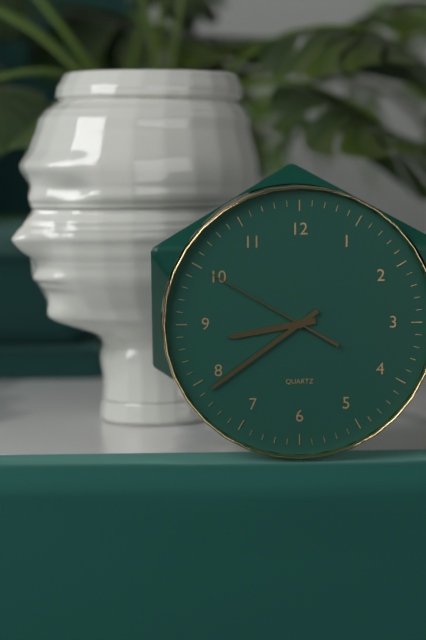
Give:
8h39m50s
